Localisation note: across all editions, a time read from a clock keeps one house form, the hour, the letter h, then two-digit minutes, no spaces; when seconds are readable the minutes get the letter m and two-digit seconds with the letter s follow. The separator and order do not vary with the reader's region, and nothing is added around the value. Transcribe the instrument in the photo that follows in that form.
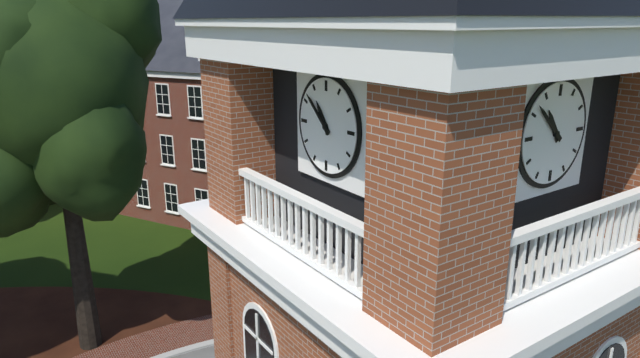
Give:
10h52
